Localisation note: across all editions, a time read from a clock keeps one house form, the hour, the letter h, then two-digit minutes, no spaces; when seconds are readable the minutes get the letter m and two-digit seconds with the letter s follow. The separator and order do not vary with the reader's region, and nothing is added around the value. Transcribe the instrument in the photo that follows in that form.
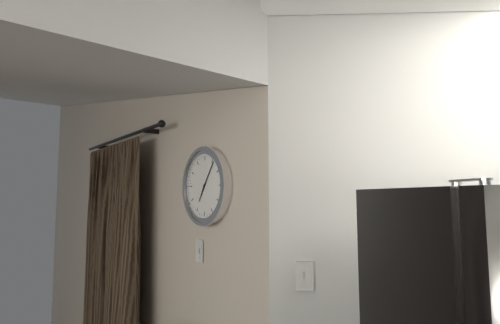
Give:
7h06
